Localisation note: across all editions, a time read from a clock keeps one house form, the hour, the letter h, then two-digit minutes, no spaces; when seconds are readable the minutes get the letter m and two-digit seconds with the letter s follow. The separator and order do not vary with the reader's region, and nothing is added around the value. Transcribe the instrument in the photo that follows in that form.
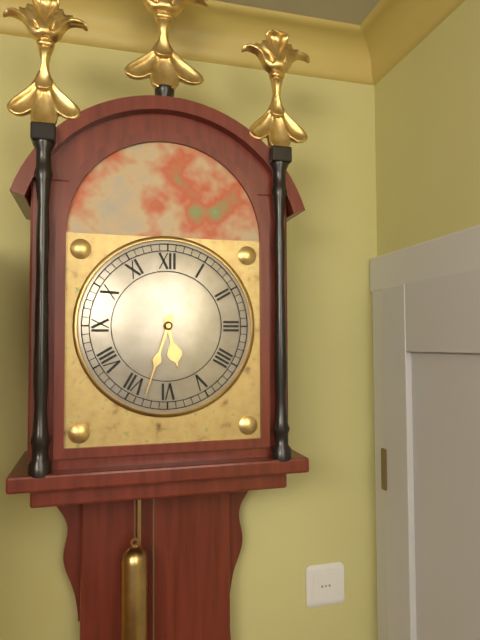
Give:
5h33
